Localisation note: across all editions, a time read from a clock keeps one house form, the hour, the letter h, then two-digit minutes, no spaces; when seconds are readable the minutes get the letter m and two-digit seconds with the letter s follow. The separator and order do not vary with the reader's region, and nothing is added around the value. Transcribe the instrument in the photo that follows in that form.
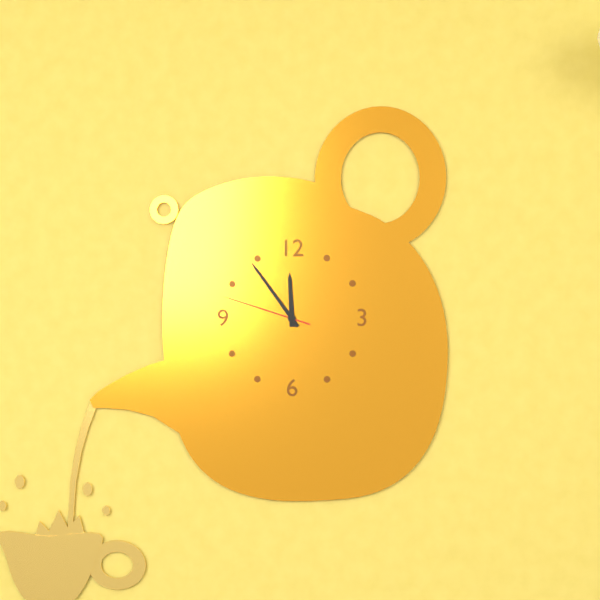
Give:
11h54m48s
